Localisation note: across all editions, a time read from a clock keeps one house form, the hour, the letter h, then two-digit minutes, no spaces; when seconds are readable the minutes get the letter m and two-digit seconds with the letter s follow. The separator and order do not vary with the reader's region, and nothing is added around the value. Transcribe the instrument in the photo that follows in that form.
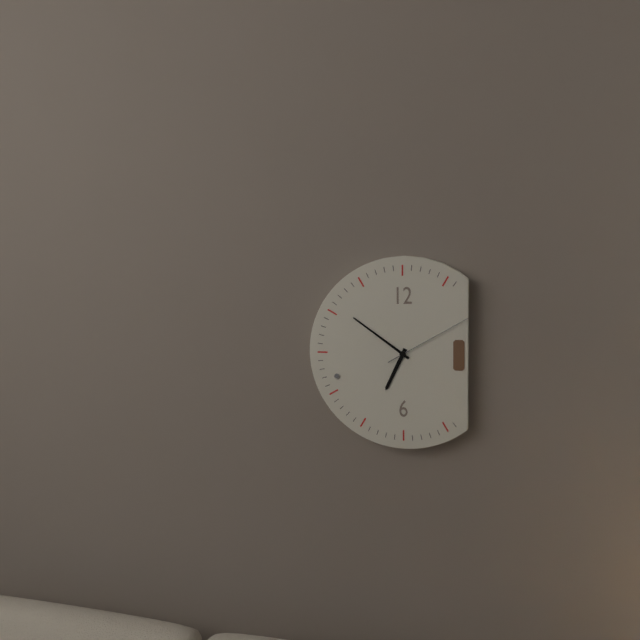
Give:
6h51m10s
